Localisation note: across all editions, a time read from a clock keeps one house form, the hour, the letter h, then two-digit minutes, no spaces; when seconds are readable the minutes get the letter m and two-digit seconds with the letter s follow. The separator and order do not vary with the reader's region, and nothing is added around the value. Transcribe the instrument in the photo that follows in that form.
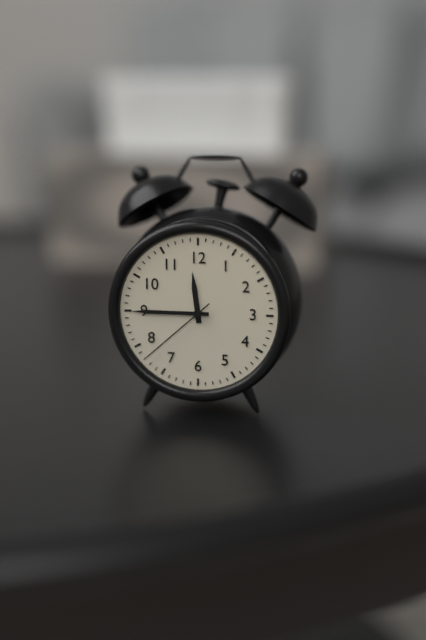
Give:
11h45m38s
